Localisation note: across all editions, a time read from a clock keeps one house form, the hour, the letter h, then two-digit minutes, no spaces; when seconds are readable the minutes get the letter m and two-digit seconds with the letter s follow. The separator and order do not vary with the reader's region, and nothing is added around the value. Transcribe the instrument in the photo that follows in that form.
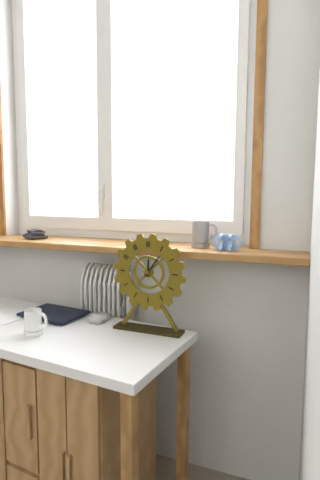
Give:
12h06
